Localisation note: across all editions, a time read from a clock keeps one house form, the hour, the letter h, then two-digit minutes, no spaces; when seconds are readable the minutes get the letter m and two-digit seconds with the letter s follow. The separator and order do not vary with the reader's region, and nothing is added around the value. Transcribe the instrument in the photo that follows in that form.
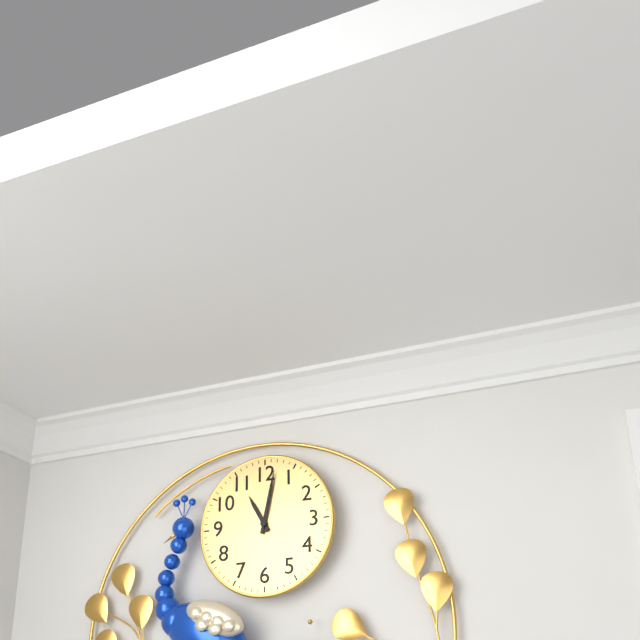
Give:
11h02
